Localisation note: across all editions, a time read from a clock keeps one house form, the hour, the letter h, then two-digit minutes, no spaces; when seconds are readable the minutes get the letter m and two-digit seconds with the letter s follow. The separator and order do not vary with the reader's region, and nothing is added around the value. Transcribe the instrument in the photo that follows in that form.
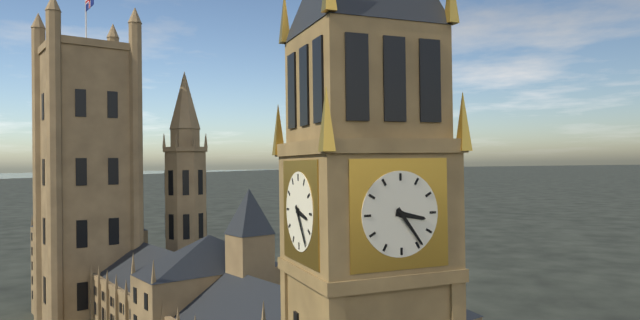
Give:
3h24
